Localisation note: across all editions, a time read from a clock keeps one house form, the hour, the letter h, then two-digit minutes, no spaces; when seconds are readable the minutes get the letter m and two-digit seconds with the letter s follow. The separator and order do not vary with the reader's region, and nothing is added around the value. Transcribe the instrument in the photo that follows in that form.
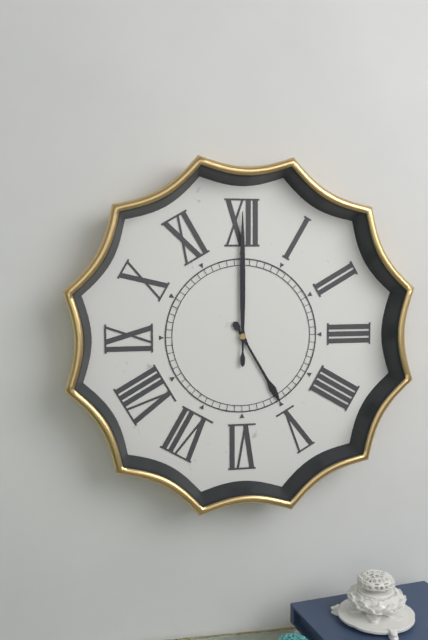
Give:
5h00
